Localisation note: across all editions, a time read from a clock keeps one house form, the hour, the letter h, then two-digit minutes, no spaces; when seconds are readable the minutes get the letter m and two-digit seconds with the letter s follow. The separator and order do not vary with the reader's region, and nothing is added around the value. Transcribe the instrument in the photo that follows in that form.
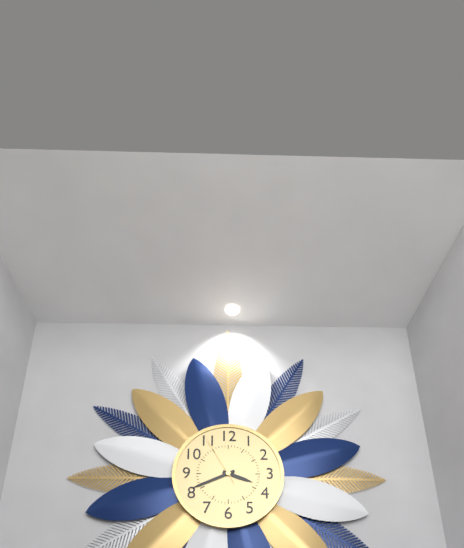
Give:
3h41m55s
